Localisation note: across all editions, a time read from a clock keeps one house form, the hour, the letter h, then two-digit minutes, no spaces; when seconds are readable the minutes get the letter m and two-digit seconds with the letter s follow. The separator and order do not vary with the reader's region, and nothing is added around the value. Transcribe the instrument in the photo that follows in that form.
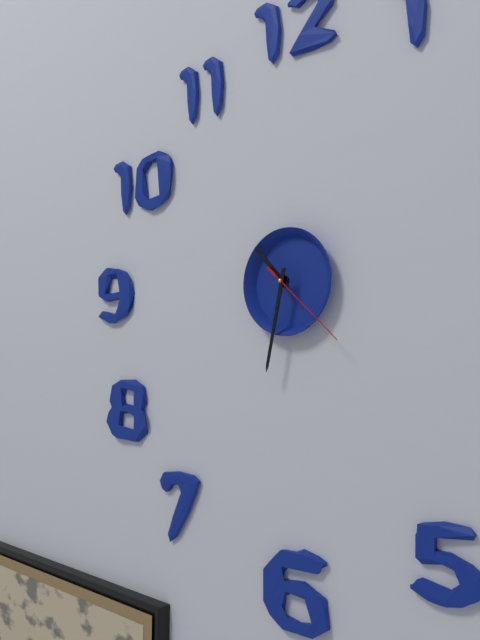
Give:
10h32m22s
